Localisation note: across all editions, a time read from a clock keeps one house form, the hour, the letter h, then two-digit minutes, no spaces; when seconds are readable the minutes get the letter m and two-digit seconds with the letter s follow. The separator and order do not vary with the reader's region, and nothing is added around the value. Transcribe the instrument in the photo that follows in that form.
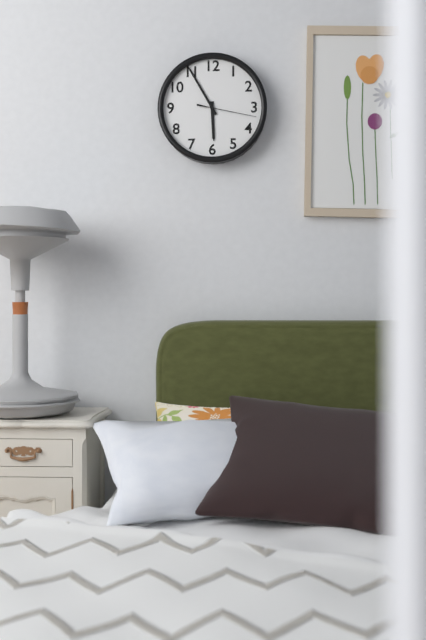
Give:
5h55m17s
